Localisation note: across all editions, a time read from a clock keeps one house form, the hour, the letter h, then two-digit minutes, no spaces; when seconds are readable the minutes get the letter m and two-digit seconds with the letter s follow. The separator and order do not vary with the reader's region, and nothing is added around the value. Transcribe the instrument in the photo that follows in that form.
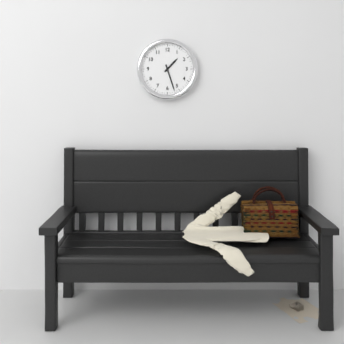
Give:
1h27
